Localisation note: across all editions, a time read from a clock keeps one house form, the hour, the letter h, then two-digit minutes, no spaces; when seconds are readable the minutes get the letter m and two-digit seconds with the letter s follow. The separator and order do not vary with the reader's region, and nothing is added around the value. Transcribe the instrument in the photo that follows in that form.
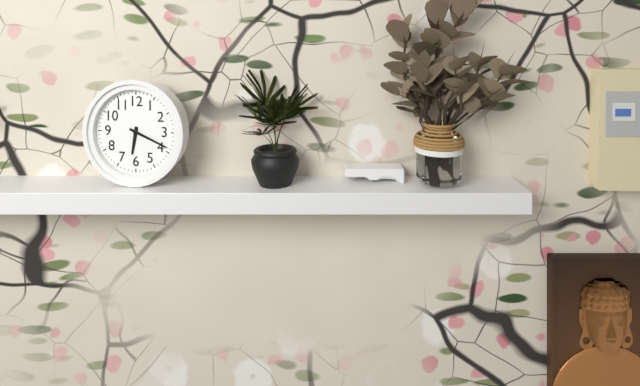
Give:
6h19
